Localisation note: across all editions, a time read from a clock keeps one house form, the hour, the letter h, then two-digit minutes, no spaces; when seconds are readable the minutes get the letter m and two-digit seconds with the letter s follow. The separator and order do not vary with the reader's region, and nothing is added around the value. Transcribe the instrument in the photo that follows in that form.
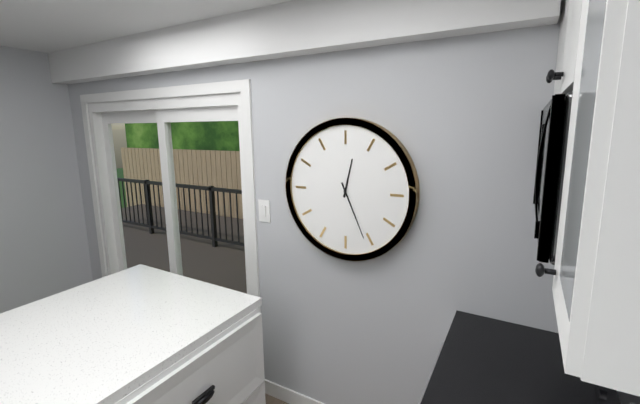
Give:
12h26
